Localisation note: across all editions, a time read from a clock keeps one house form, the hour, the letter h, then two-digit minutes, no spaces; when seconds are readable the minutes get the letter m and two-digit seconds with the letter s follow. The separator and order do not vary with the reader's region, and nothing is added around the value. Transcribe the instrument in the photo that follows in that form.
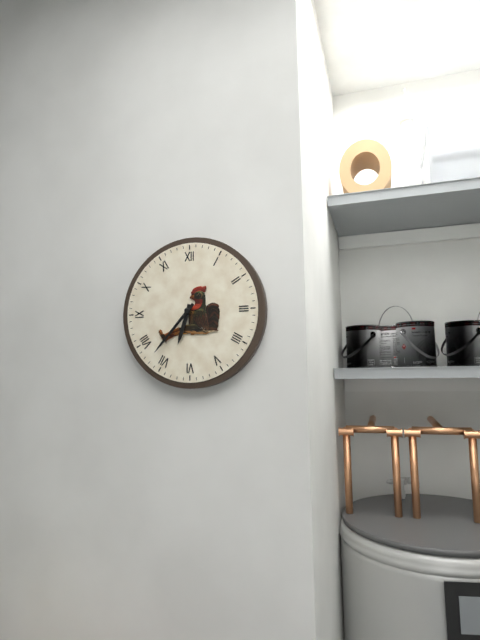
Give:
6h37
